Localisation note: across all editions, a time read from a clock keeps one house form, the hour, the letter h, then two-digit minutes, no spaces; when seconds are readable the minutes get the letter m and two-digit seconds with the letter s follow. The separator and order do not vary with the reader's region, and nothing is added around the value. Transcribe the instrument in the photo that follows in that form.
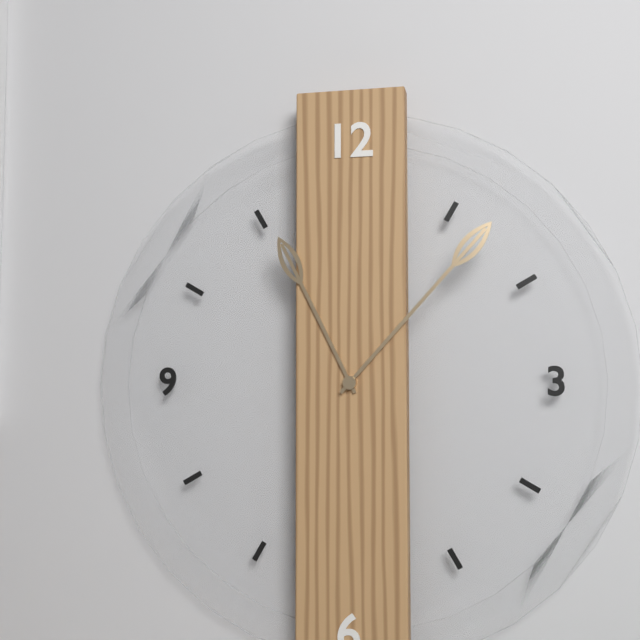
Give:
11h07
